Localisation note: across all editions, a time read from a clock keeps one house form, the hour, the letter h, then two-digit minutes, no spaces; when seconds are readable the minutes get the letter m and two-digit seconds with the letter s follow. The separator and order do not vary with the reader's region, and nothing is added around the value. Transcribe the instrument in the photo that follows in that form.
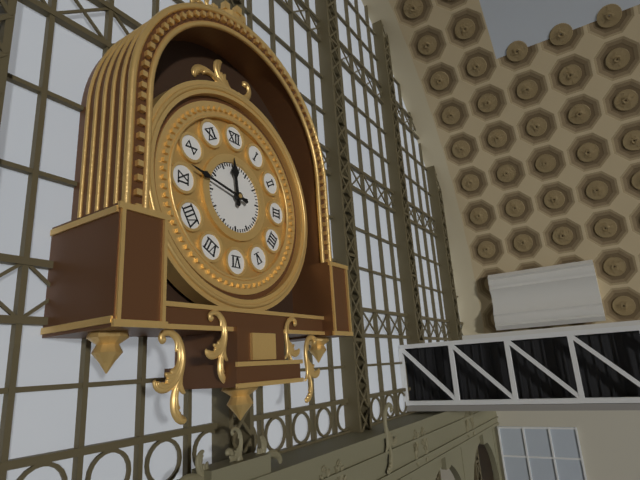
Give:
11h47
